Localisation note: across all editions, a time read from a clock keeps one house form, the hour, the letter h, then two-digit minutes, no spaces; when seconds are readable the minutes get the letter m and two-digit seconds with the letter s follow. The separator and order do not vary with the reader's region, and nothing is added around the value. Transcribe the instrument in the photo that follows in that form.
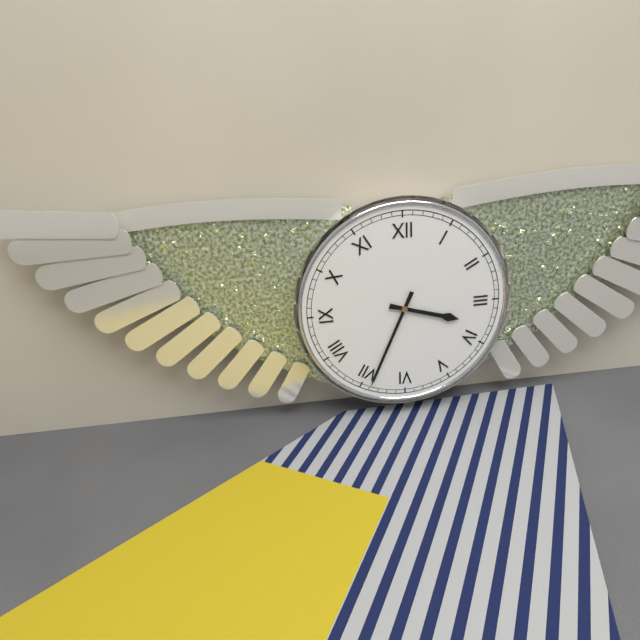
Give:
3h34
